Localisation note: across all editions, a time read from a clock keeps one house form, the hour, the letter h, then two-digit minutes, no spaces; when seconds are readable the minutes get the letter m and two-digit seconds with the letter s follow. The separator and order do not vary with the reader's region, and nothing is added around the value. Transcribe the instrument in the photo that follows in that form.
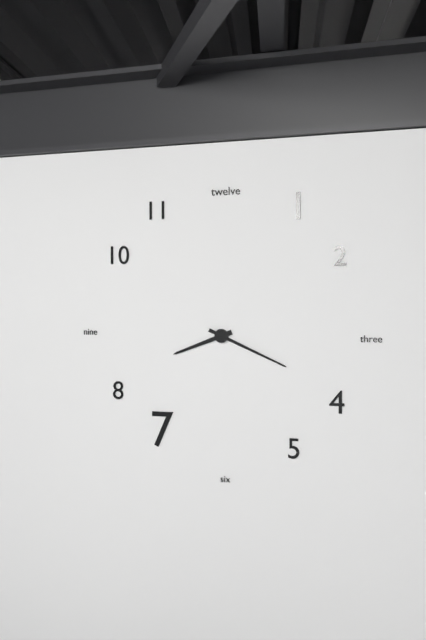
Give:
8h19
